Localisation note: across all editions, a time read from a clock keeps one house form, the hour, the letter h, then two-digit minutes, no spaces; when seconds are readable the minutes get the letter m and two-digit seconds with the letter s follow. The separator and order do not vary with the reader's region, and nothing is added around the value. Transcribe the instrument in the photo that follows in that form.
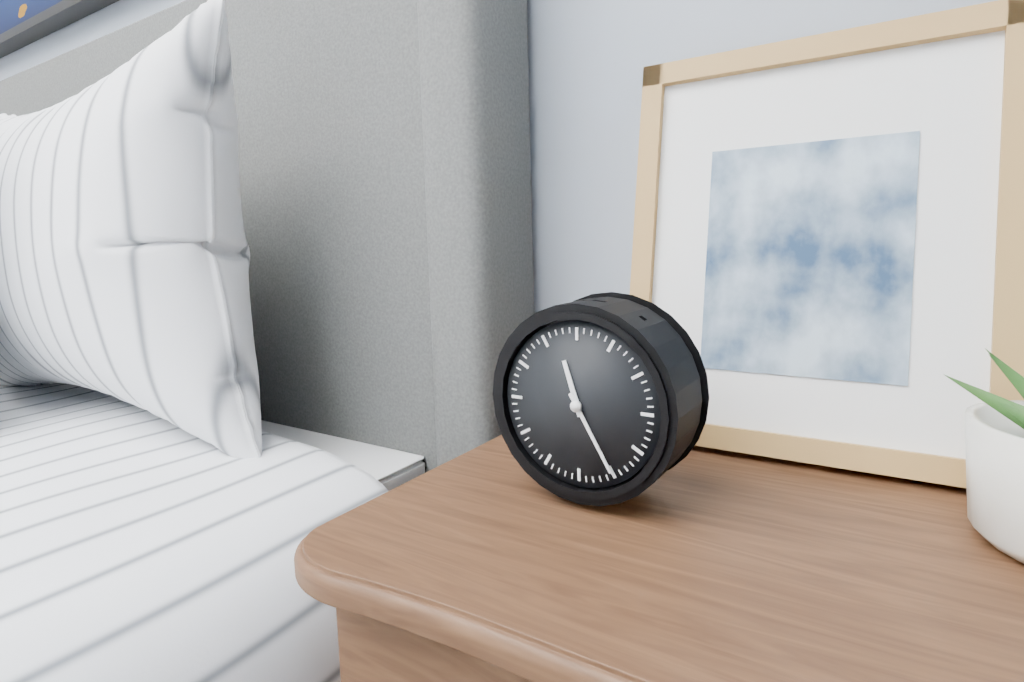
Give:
11h25
